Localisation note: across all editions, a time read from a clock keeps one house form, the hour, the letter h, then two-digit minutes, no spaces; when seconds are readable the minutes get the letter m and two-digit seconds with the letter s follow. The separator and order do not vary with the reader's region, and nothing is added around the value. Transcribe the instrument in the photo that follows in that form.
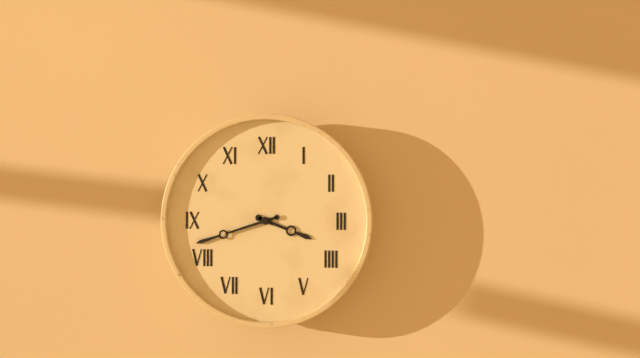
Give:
3h42
